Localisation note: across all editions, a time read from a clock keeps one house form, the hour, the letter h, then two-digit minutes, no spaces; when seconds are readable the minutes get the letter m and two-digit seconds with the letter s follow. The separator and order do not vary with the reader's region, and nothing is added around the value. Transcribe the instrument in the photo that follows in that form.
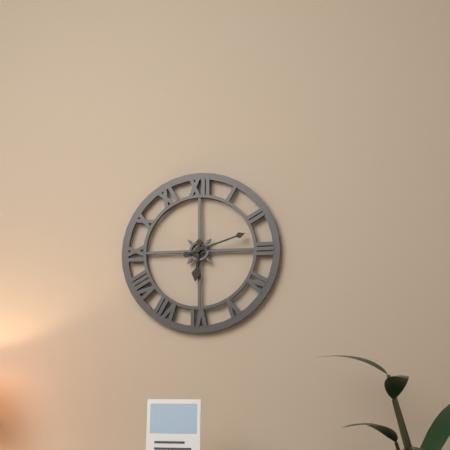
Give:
6h12
